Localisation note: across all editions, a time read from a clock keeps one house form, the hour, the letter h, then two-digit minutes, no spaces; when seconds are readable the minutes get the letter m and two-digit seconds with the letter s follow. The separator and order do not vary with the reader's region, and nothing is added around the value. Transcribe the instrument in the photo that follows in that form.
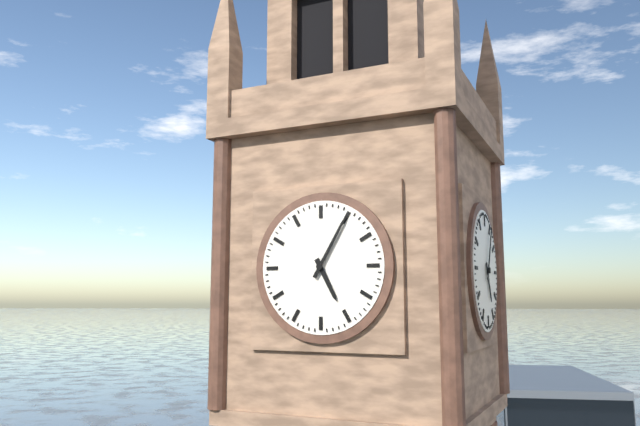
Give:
5h05
